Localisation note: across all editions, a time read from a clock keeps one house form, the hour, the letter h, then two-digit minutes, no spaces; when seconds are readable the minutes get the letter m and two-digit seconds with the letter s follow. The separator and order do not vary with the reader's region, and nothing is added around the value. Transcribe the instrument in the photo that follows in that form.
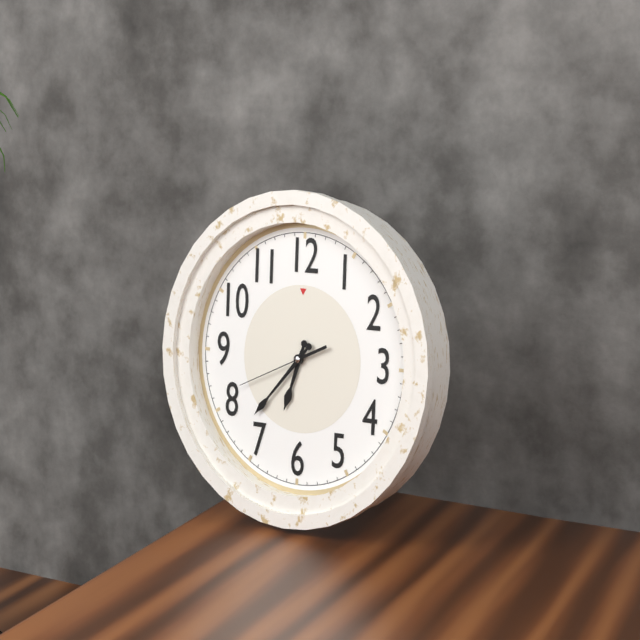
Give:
6h37m41s
